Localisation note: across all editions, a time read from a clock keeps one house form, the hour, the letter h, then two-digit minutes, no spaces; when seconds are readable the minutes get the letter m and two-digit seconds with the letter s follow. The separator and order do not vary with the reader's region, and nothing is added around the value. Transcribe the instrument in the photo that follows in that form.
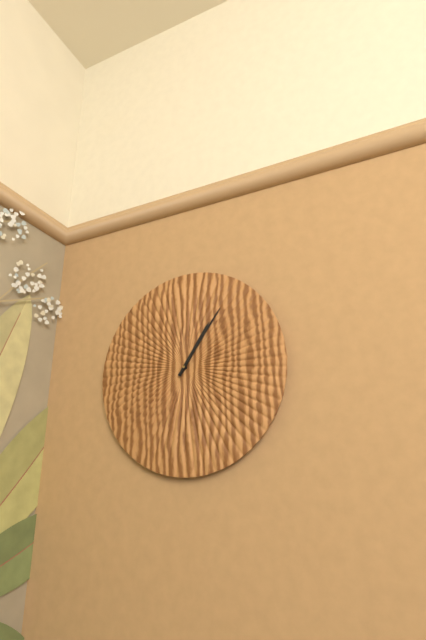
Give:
1h06
